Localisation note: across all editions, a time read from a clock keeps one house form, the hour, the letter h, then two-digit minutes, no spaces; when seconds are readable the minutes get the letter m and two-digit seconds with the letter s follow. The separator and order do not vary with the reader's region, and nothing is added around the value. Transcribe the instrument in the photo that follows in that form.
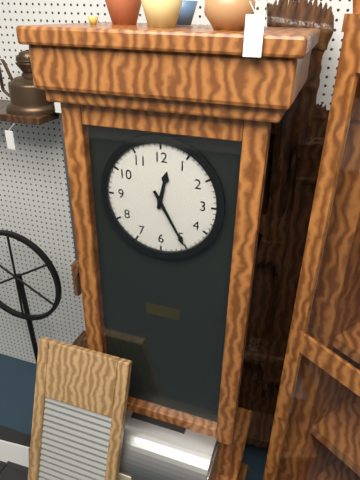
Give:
12h25
